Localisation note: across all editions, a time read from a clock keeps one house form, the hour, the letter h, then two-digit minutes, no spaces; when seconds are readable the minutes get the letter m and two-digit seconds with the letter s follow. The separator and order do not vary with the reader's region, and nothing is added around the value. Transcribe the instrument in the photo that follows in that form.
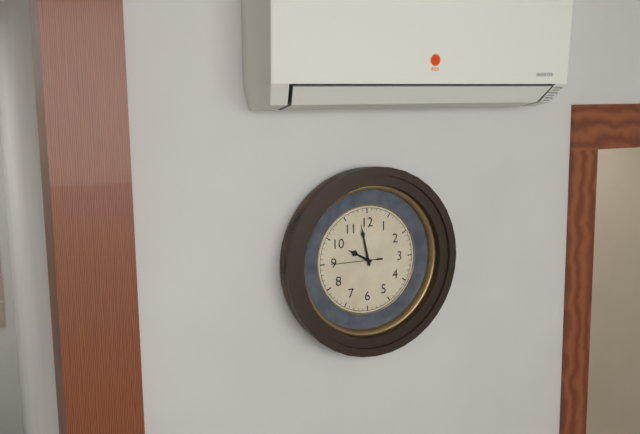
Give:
9h58
